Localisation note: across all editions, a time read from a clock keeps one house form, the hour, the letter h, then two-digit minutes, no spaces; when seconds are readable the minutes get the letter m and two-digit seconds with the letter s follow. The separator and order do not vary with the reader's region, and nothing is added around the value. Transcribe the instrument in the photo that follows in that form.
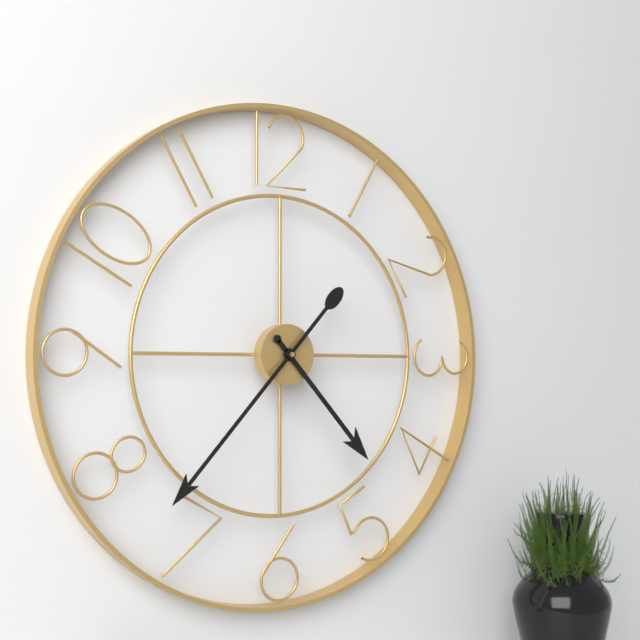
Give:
4h37
